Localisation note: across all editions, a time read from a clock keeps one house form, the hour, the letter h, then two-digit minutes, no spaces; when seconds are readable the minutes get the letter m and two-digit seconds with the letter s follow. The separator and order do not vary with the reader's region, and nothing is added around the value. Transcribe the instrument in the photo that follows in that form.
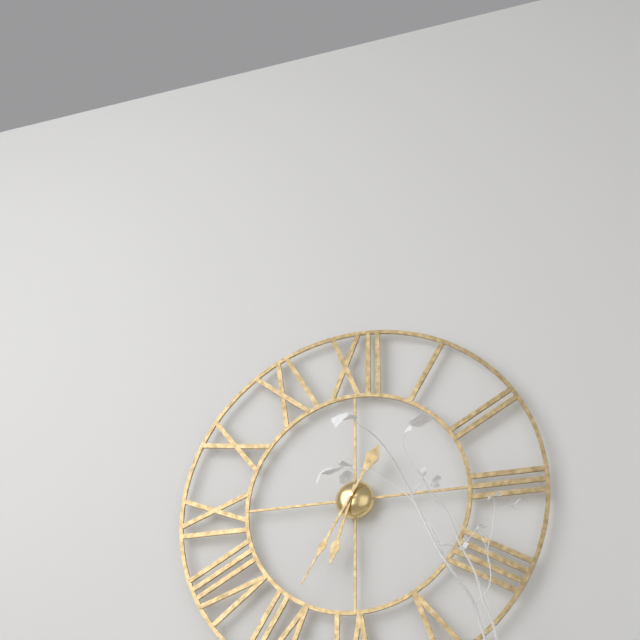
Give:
6h35
